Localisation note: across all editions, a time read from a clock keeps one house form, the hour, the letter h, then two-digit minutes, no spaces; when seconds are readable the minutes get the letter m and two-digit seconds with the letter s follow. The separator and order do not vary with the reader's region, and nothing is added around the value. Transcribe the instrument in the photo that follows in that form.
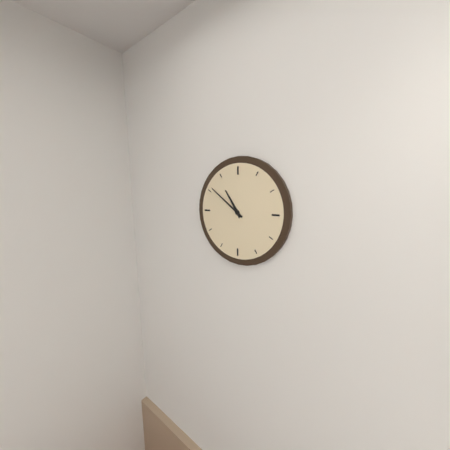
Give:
10h51
